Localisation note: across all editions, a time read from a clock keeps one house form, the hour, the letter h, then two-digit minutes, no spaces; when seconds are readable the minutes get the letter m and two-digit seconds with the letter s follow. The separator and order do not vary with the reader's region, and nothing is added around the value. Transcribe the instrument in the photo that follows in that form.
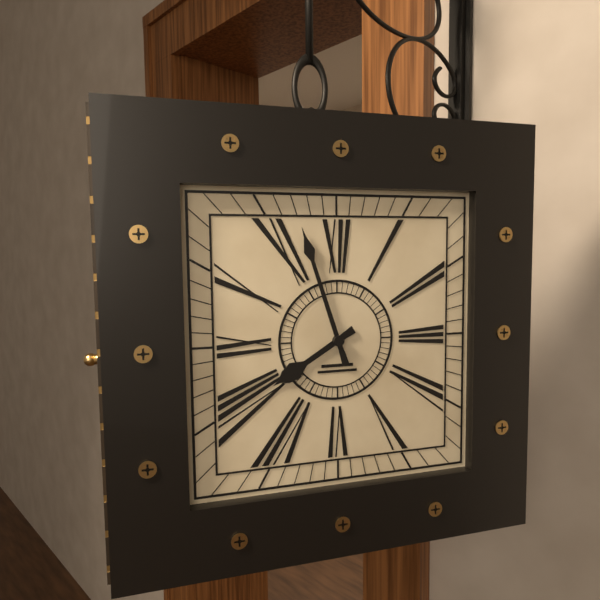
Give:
7h57
